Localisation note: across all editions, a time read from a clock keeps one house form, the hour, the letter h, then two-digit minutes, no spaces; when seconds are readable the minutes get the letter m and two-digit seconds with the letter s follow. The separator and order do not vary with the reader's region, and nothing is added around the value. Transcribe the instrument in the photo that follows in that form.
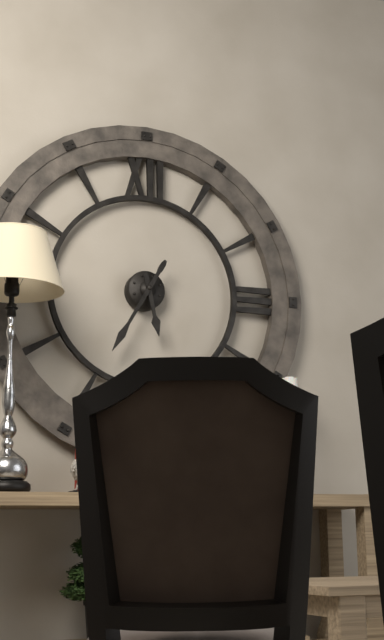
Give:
5h35
